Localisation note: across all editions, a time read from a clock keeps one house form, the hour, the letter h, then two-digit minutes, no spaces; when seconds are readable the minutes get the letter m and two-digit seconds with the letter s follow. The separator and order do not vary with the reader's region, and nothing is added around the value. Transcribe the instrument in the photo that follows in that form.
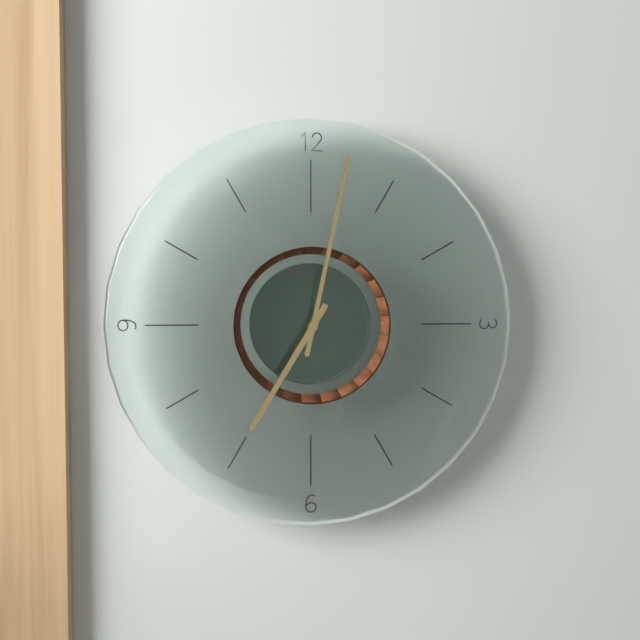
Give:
7h02
